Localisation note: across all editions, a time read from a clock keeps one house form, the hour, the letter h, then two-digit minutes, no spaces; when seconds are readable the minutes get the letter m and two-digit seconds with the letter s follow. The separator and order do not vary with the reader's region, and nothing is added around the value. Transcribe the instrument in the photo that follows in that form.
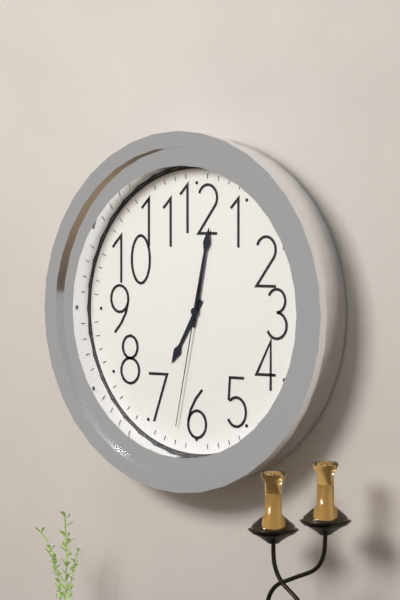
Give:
7h02m32s
